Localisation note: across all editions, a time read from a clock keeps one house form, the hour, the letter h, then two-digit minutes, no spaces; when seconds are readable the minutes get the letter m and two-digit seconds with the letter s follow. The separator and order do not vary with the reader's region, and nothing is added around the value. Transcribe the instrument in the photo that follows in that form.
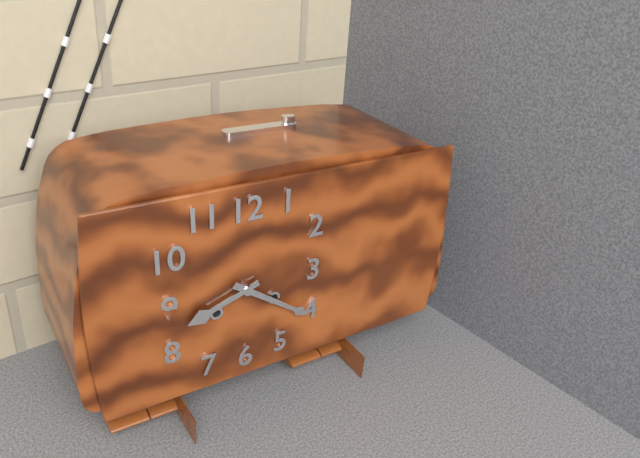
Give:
8h21
